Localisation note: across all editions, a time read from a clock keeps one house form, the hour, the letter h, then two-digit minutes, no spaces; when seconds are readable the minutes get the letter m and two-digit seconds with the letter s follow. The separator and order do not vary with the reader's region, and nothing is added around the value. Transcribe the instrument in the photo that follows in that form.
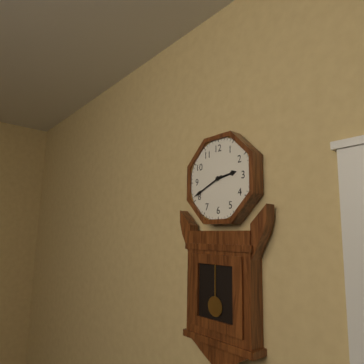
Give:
2h41
